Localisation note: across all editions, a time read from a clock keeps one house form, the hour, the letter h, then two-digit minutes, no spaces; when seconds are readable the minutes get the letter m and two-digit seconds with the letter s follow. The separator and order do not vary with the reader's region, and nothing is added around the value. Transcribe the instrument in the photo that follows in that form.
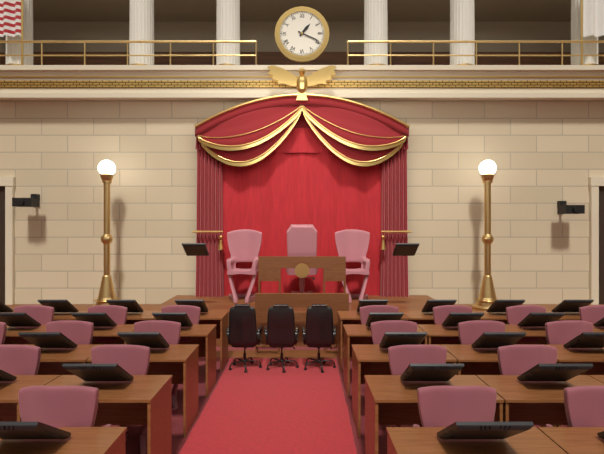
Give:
1h19
